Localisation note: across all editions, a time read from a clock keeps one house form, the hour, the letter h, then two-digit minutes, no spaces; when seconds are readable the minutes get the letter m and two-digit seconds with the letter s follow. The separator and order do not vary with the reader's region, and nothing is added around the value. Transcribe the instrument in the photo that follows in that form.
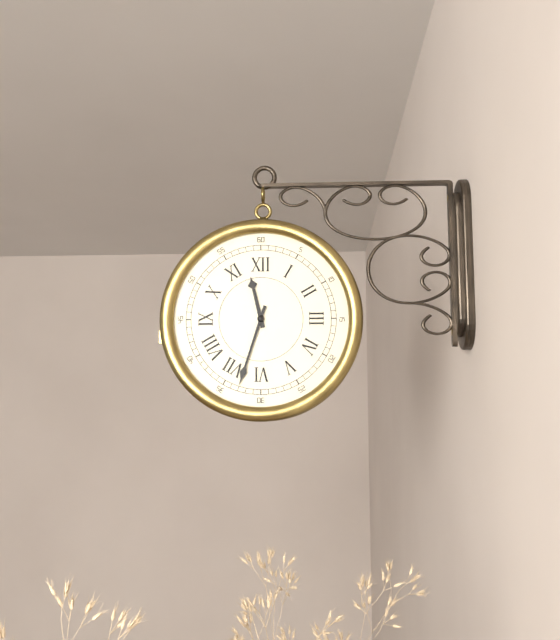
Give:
11h33
